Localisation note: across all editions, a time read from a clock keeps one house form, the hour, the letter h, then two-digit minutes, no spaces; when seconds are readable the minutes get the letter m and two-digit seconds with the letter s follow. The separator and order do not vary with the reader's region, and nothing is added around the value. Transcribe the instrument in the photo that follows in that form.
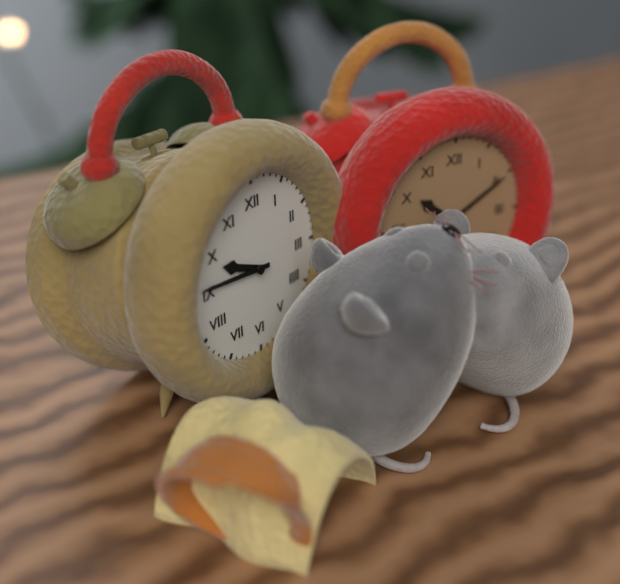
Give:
9h46
